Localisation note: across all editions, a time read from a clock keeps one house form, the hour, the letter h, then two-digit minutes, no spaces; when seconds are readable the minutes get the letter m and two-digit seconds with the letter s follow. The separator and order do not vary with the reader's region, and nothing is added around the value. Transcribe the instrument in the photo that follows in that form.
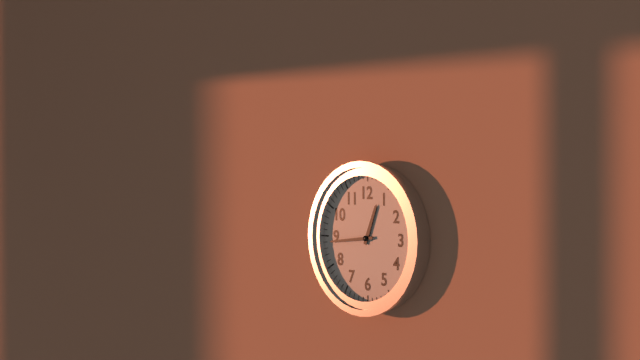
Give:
12h44
